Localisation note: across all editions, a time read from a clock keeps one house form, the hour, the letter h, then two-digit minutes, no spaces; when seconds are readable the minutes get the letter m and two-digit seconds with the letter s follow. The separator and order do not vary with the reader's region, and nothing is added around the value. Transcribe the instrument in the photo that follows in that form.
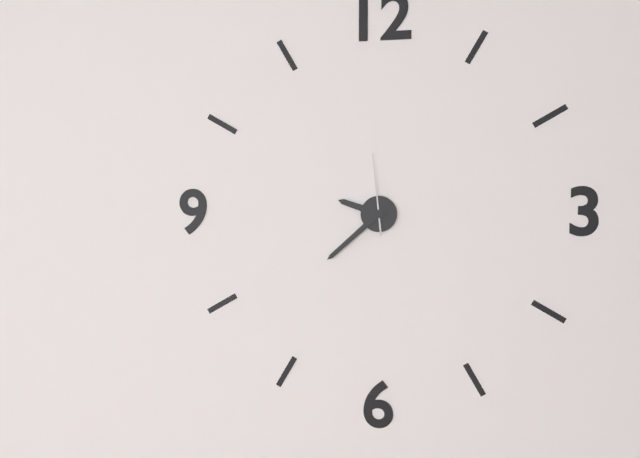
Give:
9h38m59s
